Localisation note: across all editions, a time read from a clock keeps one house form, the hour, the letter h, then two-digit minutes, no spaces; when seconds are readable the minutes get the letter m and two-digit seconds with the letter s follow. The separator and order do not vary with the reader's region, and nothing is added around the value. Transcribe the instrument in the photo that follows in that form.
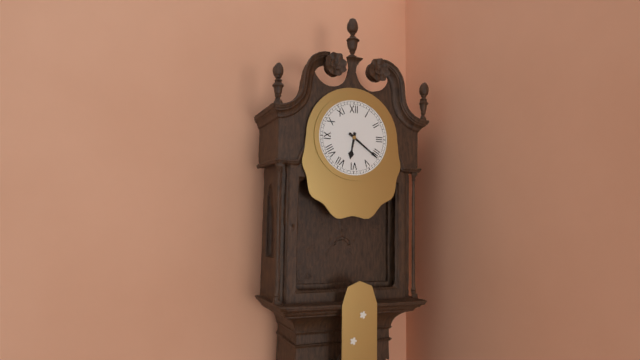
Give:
6h21
